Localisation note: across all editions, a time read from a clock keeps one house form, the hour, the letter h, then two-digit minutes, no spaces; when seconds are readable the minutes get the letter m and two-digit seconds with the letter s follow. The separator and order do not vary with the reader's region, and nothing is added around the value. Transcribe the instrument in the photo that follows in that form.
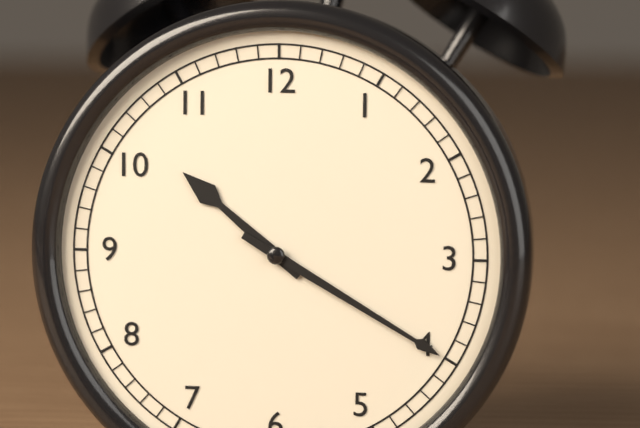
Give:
10h20
